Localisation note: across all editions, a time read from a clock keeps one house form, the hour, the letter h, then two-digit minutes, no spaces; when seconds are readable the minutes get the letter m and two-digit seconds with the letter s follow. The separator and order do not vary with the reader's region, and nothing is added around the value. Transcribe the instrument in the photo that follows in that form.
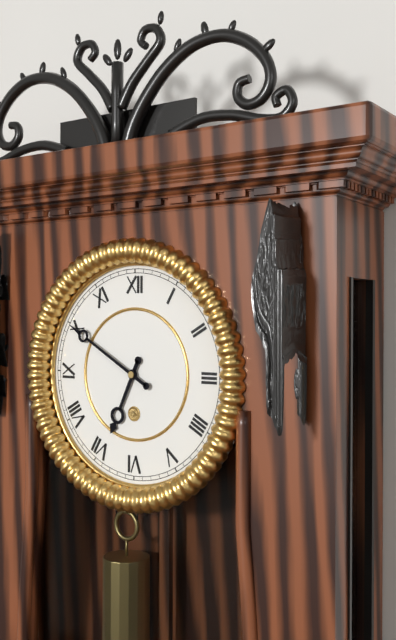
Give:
6h50
